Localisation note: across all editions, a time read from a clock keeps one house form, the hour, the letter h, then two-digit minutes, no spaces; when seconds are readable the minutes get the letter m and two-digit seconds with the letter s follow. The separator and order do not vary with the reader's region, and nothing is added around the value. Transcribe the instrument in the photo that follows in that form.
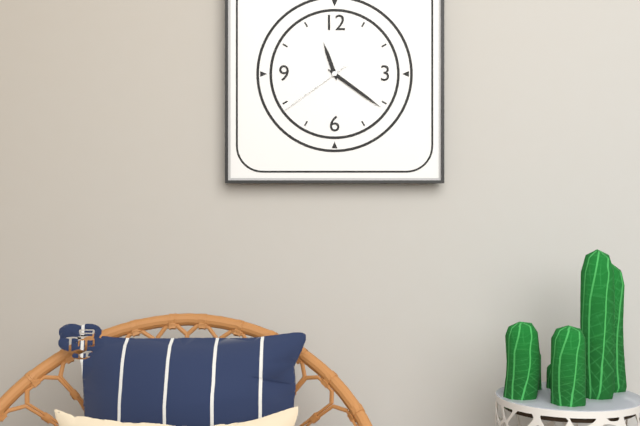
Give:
11h21m39s
